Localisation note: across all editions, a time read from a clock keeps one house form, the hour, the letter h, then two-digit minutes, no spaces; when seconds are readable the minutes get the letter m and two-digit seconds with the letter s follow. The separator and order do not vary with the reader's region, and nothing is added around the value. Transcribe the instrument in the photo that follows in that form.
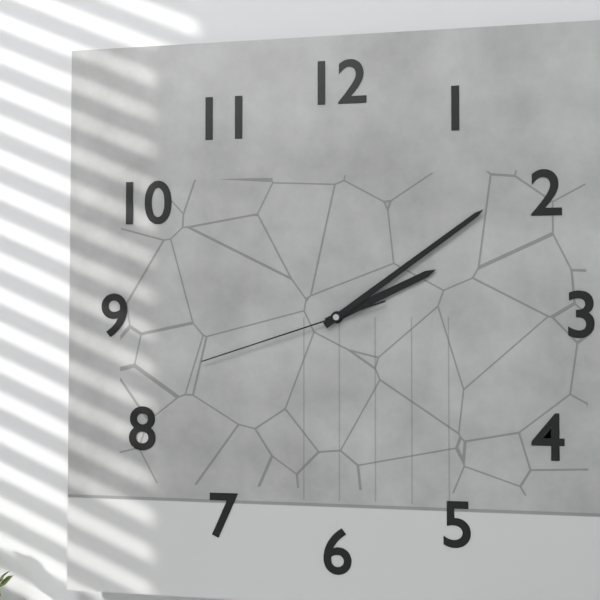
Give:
2h09m42s
